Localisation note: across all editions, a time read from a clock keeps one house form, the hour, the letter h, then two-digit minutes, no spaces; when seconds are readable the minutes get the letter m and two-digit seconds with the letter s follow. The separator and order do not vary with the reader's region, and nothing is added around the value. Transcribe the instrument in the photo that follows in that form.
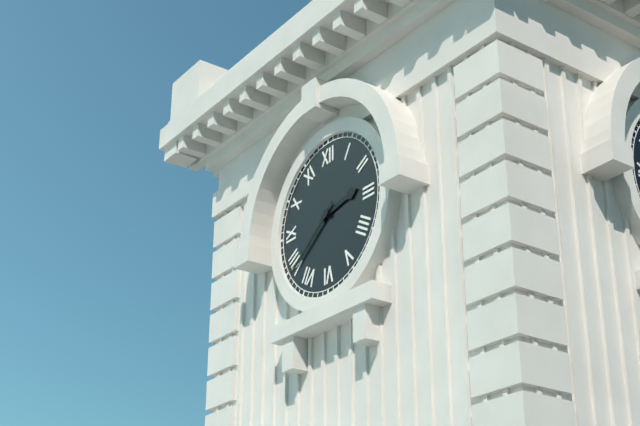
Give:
2h39
